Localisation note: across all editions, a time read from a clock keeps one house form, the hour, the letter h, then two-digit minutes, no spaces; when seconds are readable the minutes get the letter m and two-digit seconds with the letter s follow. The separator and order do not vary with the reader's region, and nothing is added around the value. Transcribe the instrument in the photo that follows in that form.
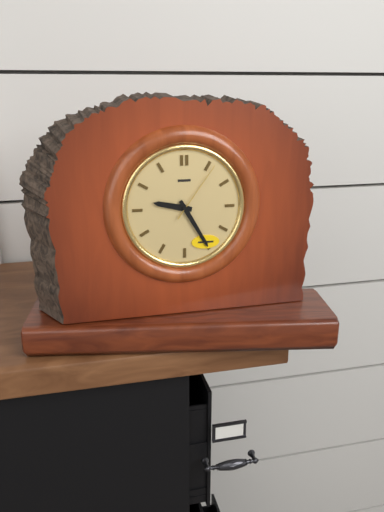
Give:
9h25m06s
